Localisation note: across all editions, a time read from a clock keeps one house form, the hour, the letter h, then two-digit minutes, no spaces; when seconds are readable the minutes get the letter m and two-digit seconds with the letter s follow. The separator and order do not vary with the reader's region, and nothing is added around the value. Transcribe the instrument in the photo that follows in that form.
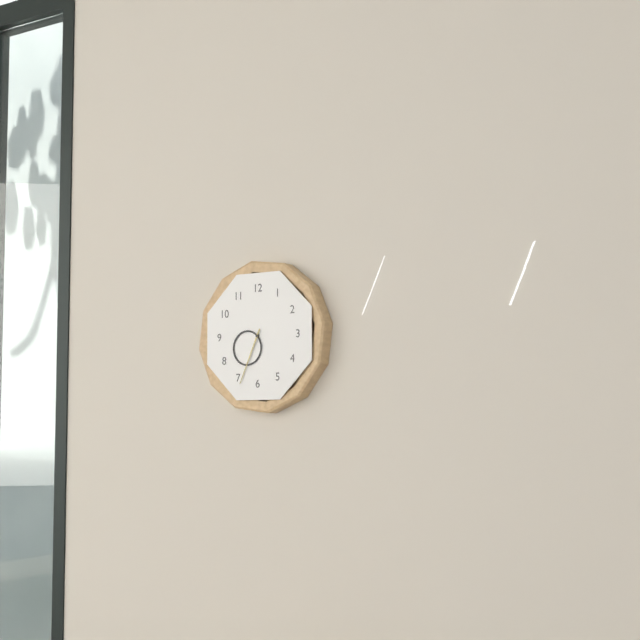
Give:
7h34
